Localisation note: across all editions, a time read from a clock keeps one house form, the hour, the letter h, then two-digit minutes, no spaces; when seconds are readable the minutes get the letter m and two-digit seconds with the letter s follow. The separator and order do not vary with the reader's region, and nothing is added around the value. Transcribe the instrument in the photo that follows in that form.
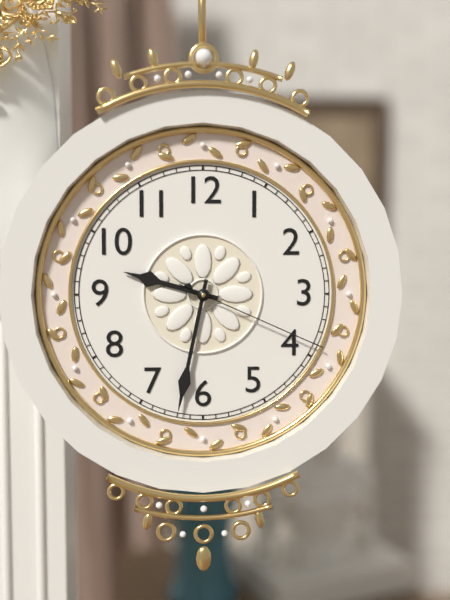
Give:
9h32m19s
